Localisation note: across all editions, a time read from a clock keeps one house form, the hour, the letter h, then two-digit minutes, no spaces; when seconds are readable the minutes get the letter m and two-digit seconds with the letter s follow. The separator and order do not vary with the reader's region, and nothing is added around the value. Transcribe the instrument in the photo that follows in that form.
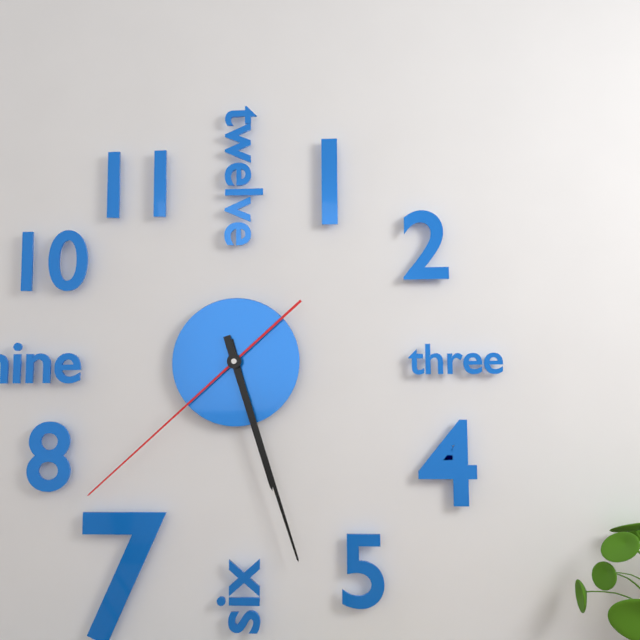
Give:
5h27m38s
